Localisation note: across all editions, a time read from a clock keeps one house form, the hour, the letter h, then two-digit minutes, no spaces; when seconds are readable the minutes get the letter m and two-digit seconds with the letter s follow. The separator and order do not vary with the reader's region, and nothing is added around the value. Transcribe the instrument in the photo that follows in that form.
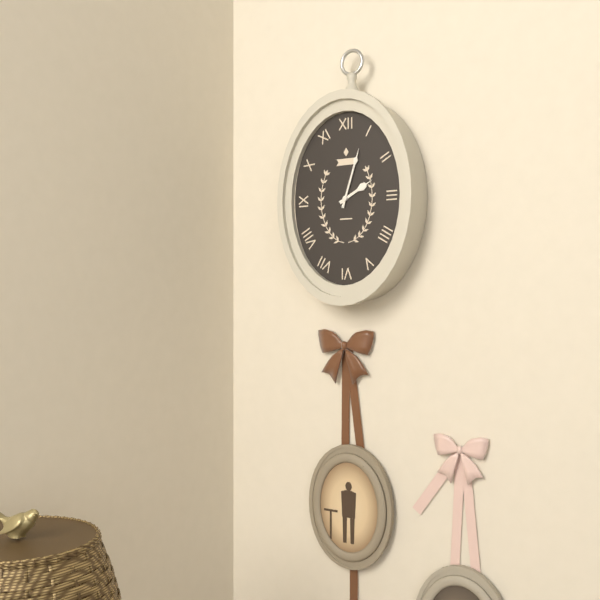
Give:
2h03
